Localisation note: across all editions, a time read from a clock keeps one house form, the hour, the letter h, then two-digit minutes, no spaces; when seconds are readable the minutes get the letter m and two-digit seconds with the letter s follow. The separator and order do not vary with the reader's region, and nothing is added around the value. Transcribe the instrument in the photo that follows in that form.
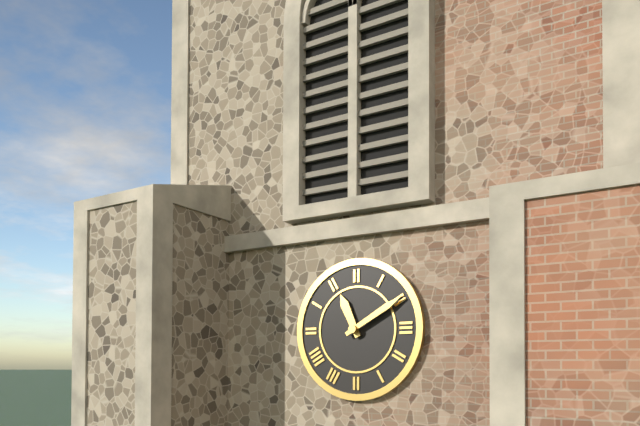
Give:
11h10
